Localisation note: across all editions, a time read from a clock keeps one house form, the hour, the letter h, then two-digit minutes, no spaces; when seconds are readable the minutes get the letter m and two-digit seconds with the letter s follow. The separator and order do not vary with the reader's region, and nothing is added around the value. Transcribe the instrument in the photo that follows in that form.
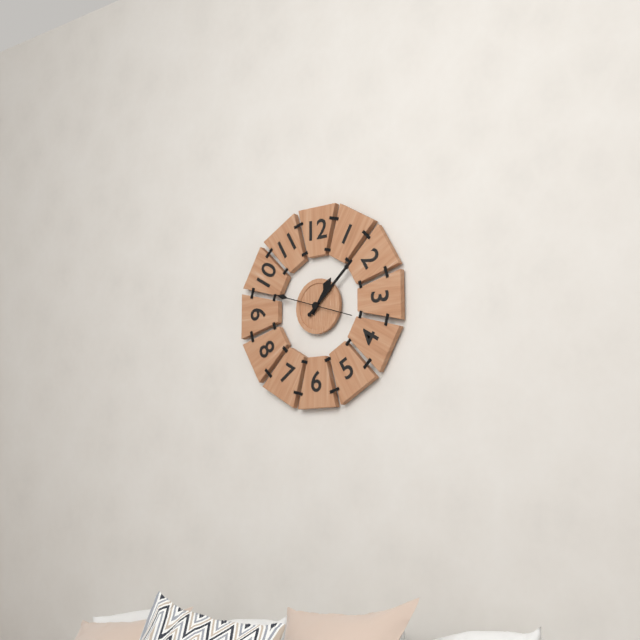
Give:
1h08m48s
